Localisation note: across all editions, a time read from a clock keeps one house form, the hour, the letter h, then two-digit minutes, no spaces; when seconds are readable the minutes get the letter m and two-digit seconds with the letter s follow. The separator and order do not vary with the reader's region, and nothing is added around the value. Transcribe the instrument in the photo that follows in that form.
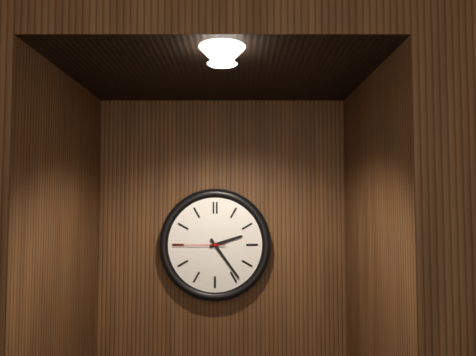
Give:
2h24m45s
